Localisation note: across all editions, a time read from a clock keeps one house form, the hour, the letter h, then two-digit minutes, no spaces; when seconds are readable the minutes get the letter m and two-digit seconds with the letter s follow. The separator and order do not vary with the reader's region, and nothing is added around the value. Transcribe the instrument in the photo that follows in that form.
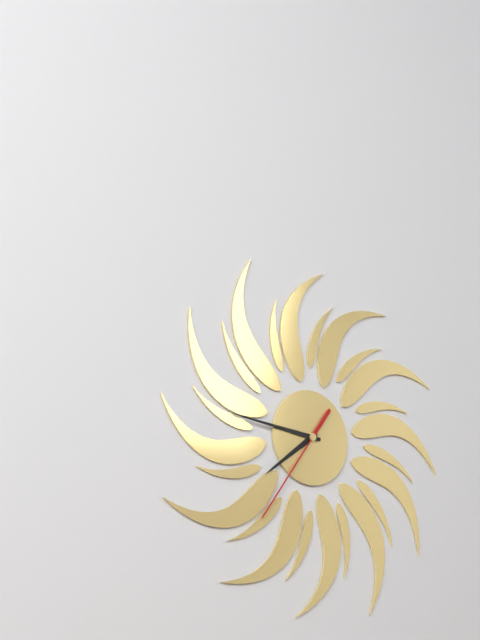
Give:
7h46m36s
